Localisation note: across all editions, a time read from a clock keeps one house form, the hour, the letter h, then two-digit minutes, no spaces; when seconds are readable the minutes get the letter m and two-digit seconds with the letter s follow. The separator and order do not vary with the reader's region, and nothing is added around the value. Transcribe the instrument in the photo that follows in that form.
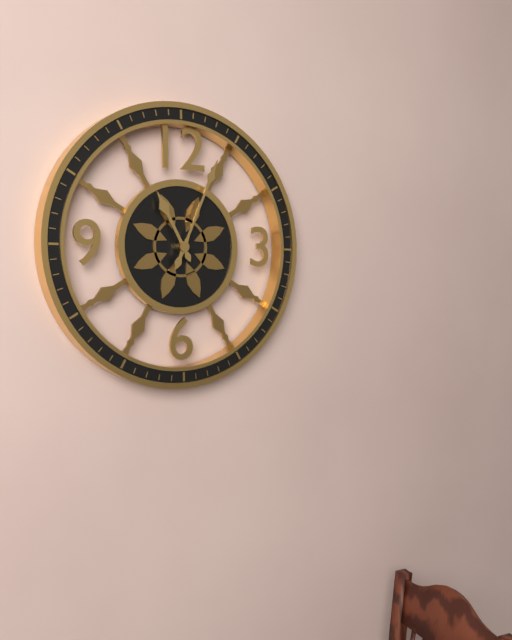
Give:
11h04
